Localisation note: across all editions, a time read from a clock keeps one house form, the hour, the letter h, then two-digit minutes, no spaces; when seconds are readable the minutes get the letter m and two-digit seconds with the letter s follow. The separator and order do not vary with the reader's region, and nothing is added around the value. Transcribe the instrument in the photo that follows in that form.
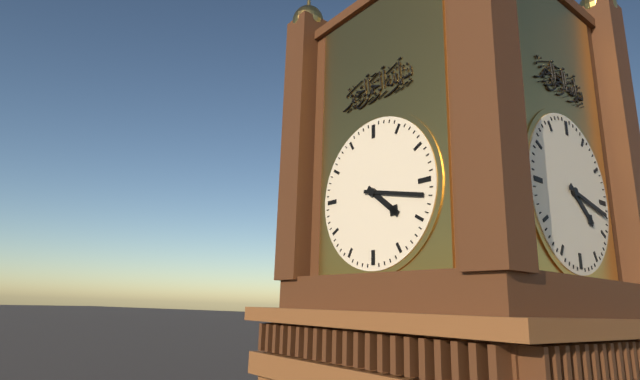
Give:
4h17
